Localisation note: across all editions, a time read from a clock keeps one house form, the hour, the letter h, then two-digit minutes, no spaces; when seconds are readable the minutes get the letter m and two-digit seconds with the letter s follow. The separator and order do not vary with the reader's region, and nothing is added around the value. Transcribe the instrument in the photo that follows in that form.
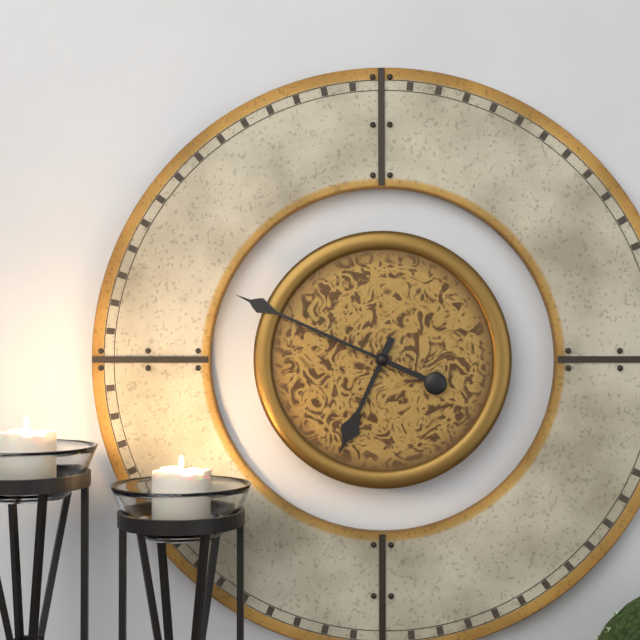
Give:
6h49
